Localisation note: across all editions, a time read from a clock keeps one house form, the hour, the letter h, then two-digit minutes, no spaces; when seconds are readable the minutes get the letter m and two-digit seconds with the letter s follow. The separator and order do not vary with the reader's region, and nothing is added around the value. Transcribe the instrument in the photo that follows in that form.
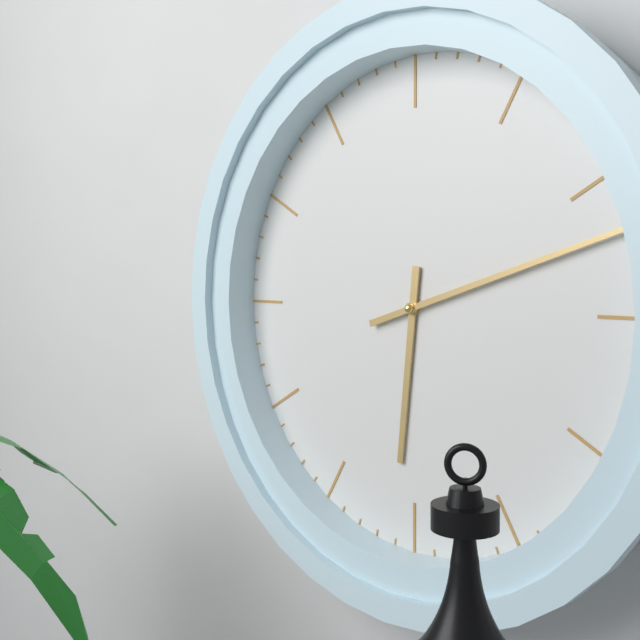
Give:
6h12
